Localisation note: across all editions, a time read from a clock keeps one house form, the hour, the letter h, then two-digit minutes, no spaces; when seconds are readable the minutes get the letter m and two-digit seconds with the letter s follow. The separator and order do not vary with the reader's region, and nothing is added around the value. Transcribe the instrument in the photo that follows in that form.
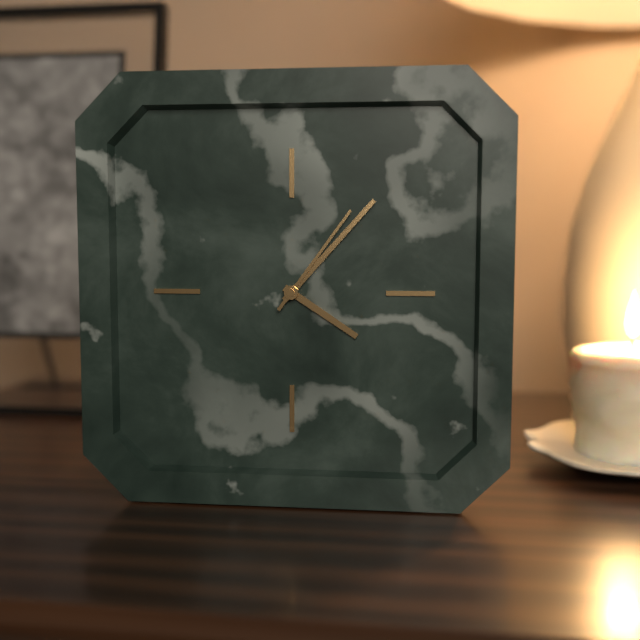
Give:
4h07m06s
